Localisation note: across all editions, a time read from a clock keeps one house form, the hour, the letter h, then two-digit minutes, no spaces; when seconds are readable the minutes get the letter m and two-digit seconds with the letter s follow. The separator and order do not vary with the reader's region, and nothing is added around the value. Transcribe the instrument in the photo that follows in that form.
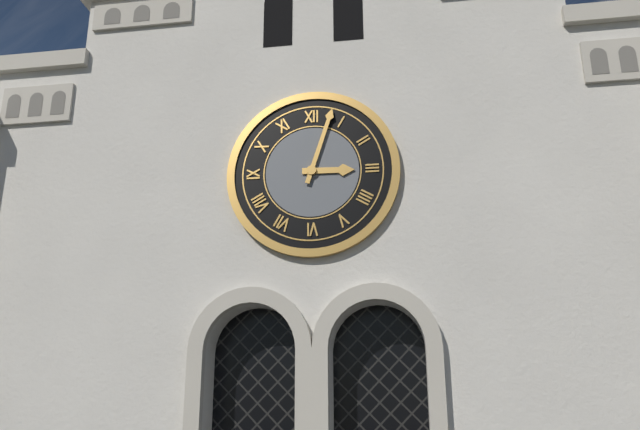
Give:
3h03
